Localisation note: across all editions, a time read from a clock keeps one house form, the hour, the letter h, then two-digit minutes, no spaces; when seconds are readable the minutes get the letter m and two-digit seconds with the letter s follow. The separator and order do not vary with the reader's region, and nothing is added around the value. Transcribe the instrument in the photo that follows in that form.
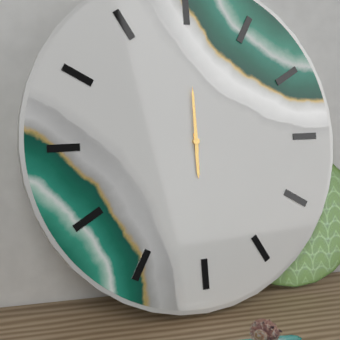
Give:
6h00
